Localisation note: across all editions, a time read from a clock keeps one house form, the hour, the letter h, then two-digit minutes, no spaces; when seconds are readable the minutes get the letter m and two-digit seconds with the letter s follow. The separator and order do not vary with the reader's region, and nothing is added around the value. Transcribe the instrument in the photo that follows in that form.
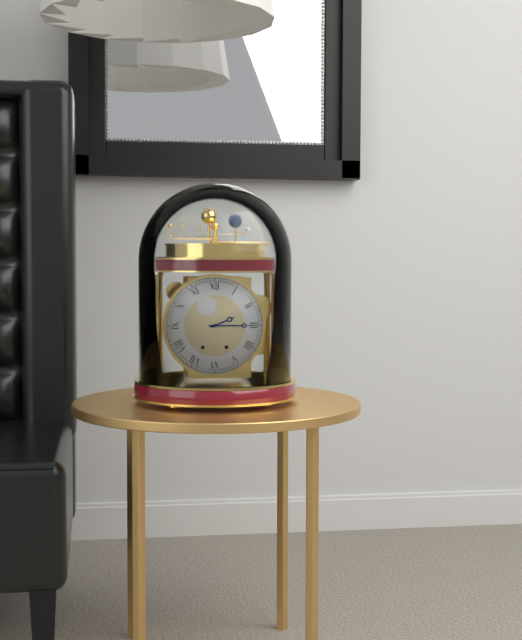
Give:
2h15
